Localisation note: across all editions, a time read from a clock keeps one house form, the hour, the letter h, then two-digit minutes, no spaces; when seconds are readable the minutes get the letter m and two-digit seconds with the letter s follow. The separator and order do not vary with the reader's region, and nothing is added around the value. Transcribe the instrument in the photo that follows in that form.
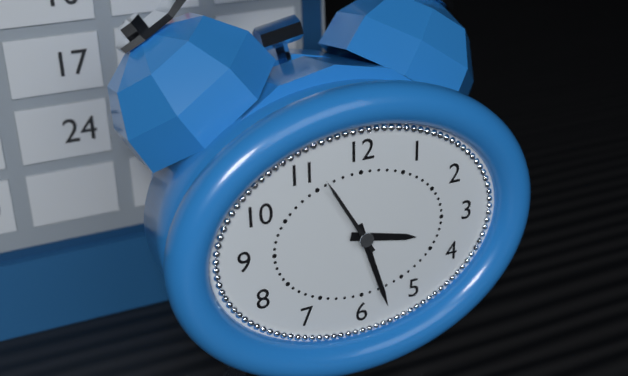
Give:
3h27m55s
